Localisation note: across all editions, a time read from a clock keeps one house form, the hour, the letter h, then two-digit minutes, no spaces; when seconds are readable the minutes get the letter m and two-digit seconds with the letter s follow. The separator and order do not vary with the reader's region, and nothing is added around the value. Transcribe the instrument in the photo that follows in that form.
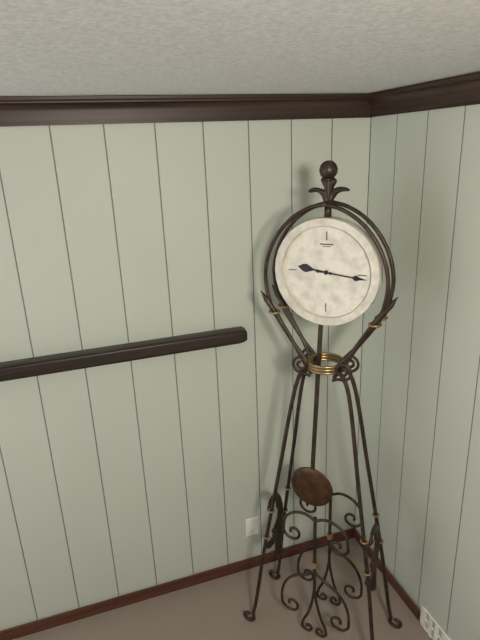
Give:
9h16
